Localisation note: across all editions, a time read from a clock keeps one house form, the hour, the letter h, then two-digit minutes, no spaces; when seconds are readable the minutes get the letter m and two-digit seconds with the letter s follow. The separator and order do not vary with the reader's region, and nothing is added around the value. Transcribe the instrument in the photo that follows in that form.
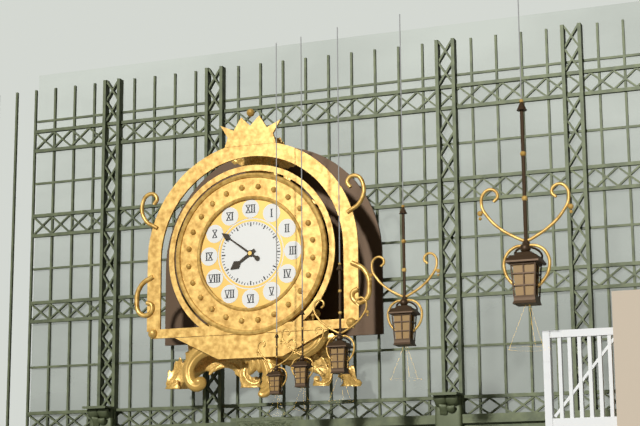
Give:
7h51
